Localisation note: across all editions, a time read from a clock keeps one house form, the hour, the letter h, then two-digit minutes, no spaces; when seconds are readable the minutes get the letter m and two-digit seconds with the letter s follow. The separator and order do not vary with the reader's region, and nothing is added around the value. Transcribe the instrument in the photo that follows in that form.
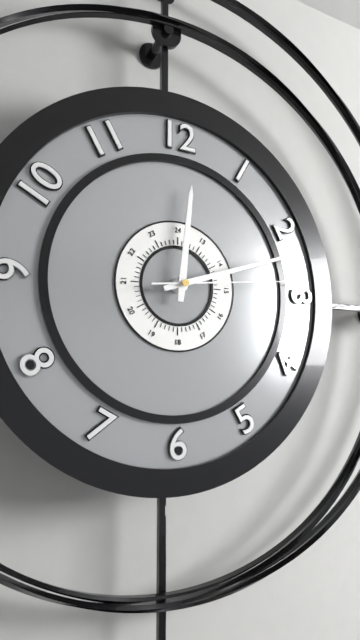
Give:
12h12m14s
